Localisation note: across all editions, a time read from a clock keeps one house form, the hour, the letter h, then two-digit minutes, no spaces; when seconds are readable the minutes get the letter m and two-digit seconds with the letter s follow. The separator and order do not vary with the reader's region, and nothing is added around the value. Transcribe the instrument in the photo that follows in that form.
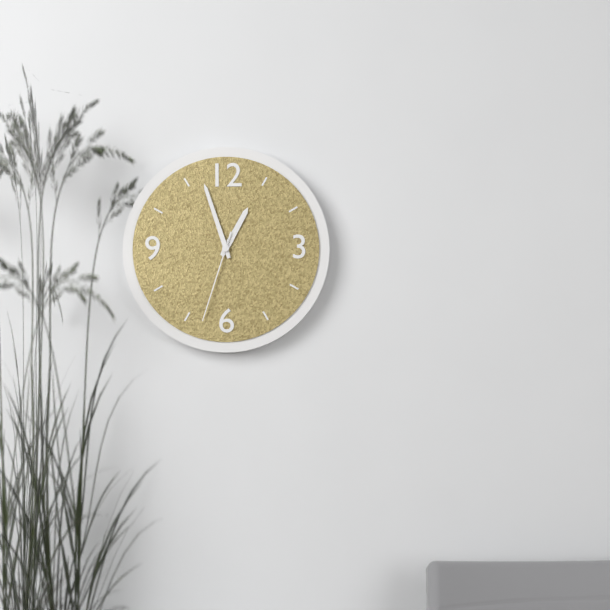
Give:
12h57m33s
